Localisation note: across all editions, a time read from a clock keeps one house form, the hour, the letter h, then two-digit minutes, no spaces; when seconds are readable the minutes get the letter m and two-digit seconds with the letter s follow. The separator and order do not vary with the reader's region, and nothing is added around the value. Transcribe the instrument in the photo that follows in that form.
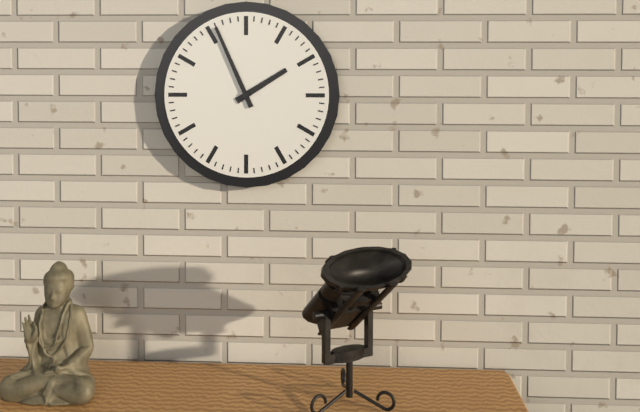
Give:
1h56
